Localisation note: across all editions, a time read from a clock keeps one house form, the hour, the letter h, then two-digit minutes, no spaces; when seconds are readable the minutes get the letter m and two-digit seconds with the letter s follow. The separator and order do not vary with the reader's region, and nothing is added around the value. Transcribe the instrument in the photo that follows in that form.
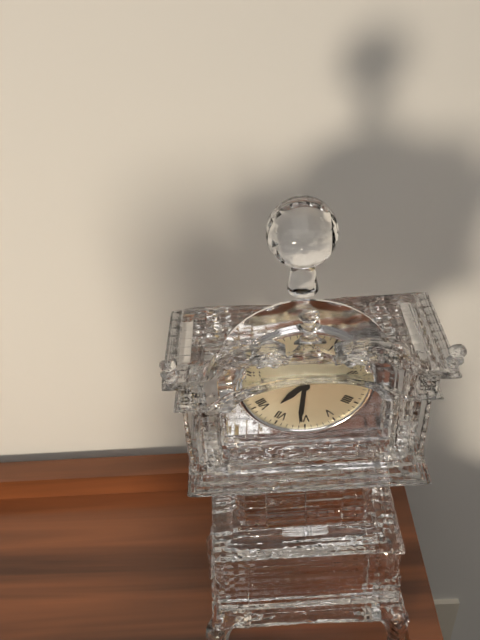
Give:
7h31
